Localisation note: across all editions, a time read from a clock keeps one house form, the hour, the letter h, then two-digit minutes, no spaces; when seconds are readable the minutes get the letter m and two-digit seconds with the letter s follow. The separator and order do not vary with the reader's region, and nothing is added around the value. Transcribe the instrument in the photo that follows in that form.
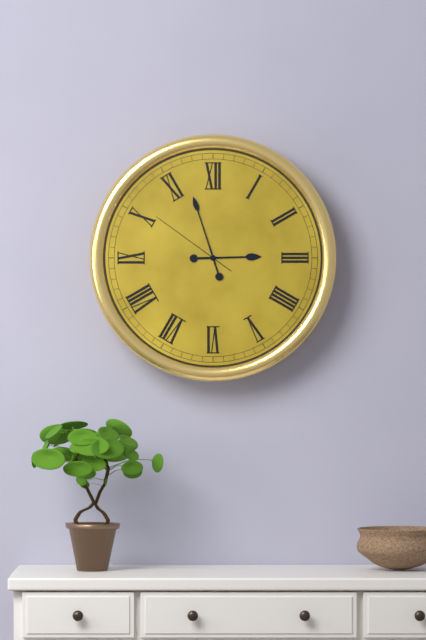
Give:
2h57m51s
